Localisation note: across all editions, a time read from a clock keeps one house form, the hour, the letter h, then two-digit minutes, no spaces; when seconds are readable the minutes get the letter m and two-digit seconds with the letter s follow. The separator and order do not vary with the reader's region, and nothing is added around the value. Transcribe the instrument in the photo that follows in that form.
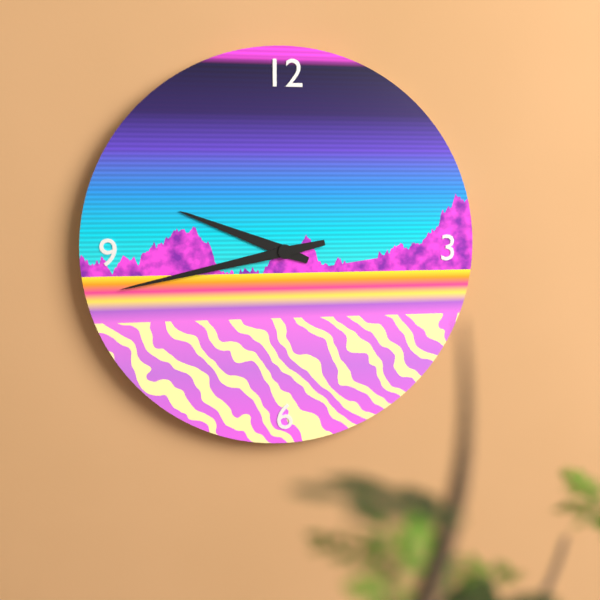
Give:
9h43
